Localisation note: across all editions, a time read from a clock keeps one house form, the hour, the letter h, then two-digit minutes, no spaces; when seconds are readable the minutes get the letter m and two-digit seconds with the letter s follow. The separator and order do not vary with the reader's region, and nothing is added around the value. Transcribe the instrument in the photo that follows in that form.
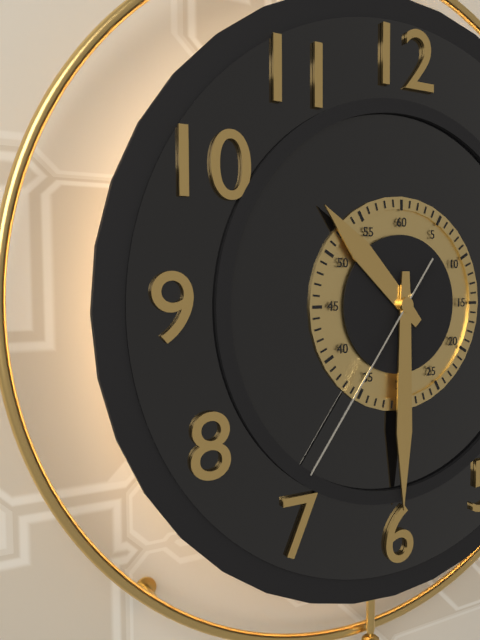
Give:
10h30m36s
